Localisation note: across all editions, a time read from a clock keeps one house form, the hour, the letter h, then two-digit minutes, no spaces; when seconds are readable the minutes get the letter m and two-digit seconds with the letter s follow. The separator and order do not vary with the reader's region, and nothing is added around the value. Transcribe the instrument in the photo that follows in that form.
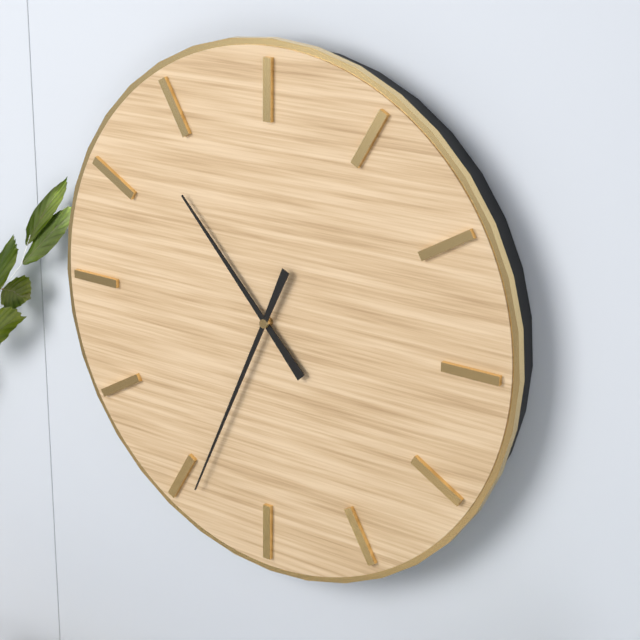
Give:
10h34
